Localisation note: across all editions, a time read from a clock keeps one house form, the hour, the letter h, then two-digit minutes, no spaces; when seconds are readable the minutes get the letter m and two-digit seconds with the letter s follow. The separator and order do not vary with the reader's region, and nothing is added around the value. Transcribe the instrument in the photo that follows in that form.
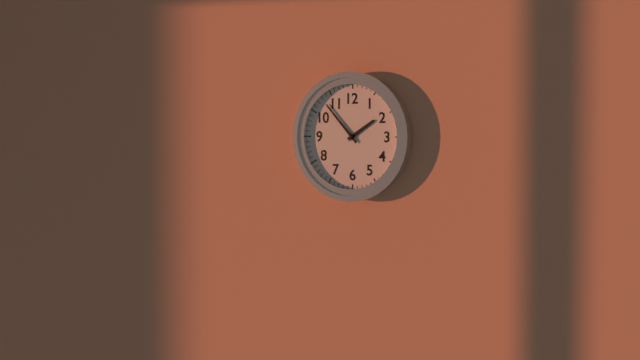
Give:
1h53
